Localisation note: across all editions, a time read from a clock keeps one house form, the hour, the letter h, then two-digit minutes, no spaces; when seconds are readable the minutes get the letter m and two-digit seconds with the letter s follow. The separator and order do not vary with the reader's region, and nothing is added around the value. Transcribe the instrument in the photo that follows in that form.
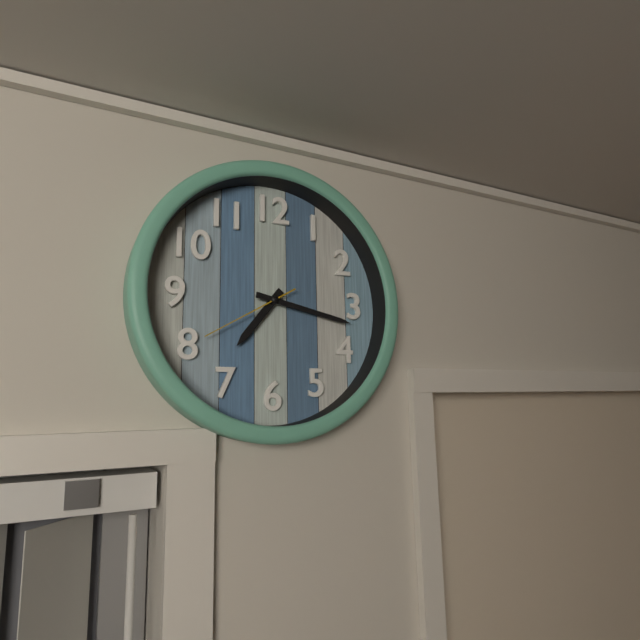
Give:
7h17m40s
